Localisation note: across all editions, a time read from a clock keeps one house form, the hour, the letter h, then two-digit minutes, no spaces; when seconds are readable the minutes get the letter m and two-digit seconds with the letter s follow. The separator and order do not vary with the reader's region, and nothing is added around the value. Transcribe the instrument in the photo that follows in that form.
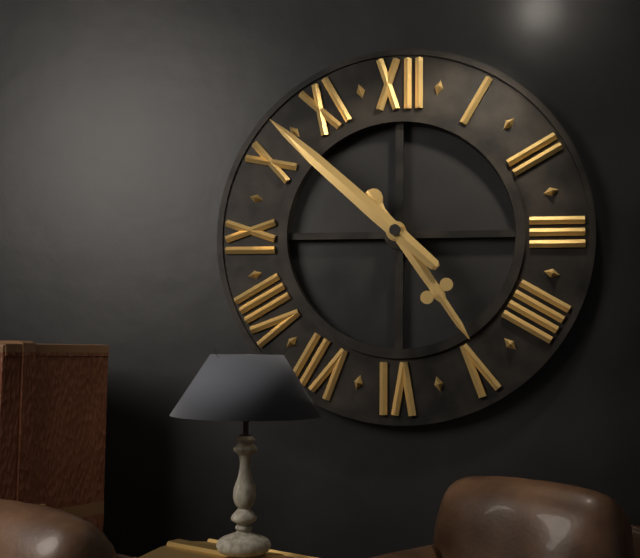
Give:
4h52
